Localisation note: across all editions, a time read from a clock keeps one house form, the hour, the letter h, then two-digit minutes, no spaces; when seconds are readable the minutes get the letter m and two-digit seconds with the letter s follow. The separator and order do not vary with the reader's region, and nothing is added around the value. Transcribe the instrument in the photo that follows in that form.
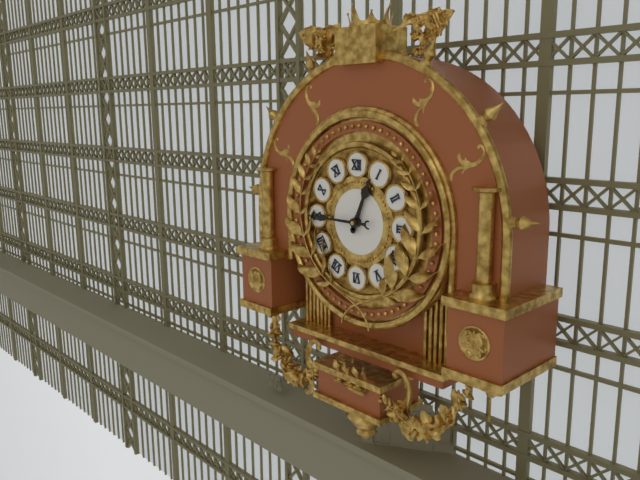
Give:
12h45
